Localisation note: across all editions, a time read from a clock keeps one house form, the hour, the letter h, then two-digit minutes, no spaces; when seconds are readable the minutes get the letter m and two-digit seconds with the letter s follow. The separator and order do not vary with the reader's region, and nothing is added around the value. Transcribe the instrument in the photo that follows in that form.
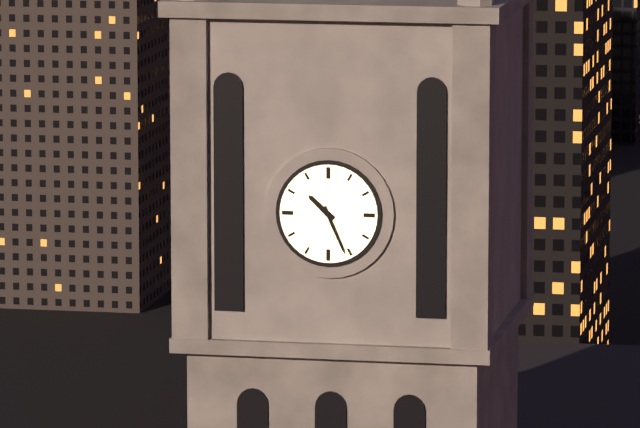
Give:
10h26
